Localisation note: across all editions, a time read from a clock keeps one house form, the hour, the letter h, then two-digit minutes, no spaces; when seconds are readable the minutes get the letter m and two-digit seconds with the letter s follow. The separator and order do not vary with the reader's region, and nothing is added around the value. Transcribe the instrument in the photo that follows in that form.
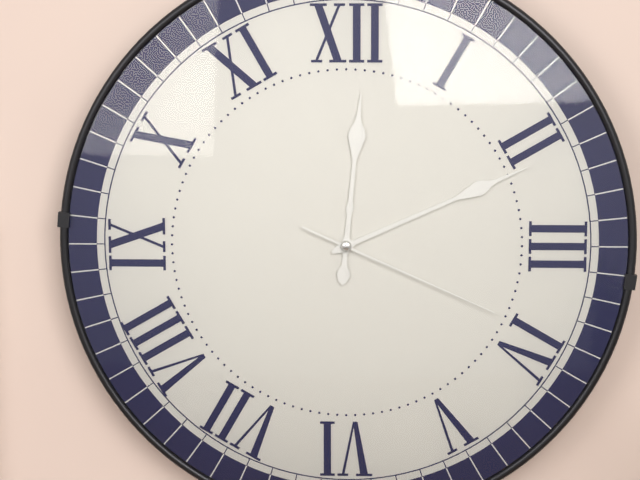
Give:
12h11m19s
